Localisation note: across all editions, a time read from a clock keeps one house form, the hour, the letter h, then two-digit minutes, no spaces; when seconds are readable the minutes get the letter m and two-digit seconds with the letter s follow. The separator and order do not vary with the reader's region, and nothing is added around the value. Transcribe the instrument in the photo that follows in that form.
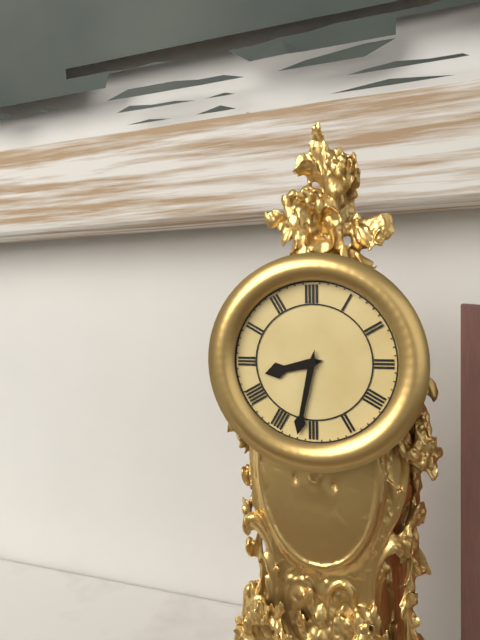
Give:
8h32
